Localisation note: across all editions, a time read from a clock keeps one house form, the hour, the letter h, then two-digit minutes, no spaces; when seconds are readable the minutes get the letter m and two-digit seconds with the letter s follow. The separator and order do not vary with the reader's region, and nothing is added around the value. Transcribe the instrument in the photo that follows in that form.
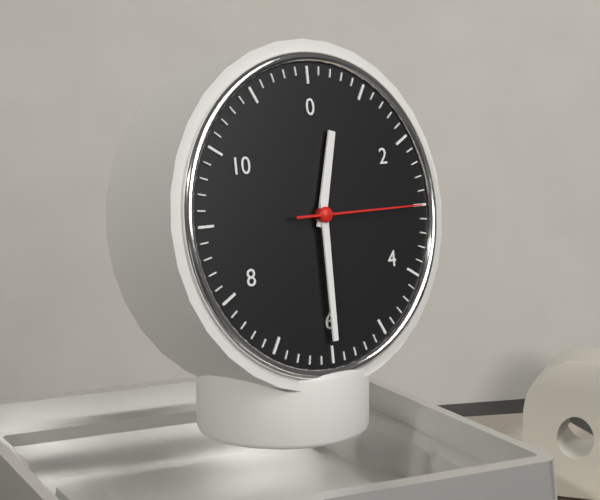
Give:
12h30m15s
